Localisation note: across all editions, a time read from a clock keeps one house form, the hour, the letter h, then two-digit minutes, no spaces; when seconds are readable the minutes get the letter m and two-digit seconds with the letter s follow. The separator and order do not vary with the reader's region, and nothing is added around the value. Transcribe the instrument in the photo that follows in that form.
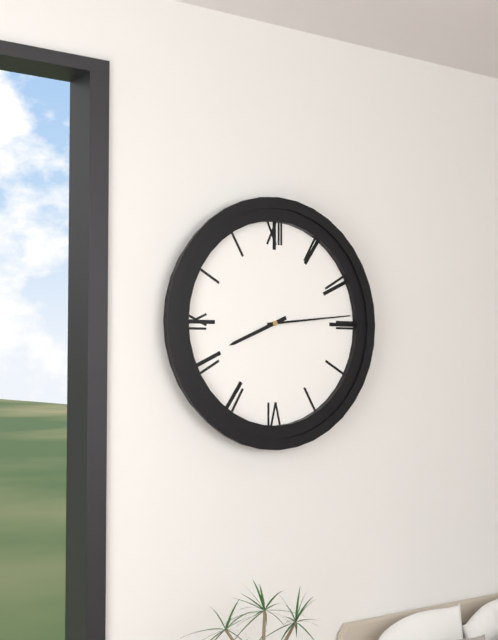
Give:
8h14
